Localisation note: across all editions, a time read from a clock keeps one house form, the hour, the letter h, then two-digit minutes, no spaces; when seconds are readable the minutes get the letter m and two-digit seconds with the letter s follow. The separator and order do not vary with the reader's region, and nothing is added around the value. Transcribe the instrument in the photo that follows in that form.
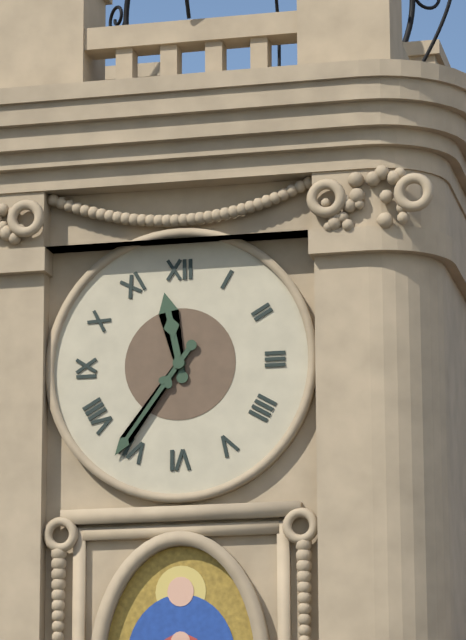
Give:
11h36
